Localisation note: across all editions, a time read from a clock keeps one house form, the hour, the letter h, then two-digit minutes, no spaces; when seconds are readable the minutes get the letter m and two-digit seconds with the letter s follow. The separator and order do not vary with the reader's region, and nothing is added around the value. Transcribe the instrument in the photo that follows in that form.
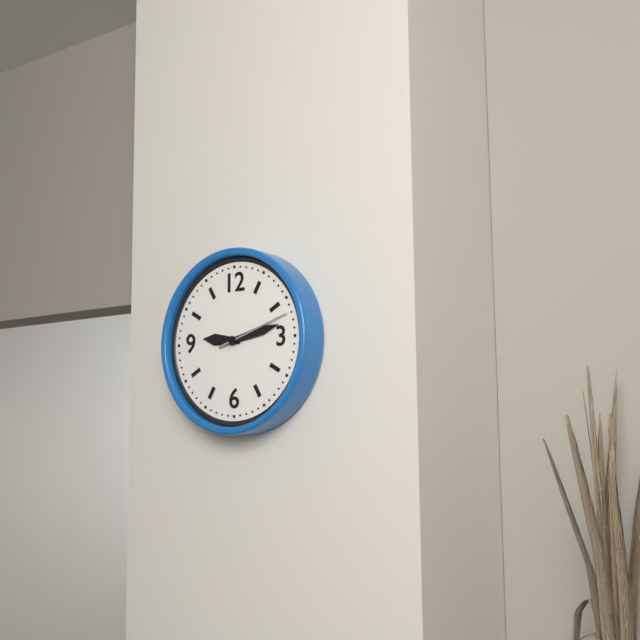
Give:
9h13m12s
